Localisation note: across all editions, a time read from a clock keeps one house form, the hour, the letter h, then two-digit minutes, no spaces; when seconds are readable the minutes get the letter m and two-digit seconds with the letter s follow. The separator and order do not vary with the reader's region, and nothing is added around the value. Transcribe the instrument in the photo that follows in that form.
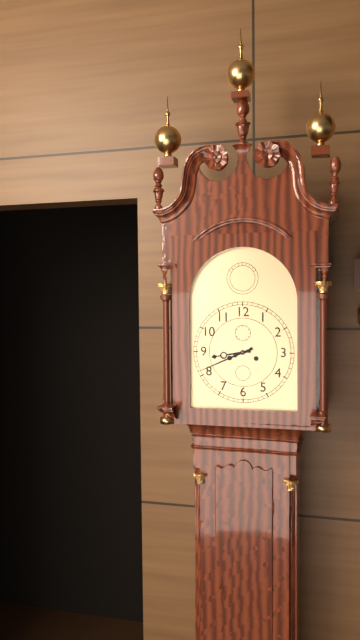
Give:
8h41
